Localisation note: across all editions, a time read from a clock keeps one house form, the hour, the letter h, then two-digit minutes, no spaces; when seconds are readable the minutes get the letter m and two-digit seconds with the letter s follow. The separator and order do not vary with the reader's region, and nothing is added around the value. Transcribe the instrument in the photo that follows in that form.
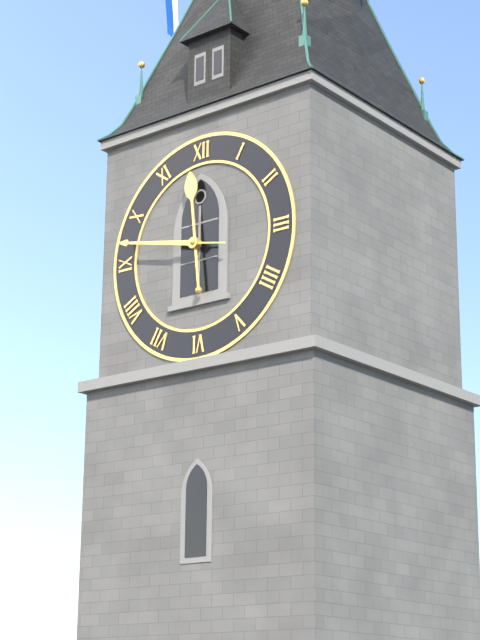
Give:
11h47
